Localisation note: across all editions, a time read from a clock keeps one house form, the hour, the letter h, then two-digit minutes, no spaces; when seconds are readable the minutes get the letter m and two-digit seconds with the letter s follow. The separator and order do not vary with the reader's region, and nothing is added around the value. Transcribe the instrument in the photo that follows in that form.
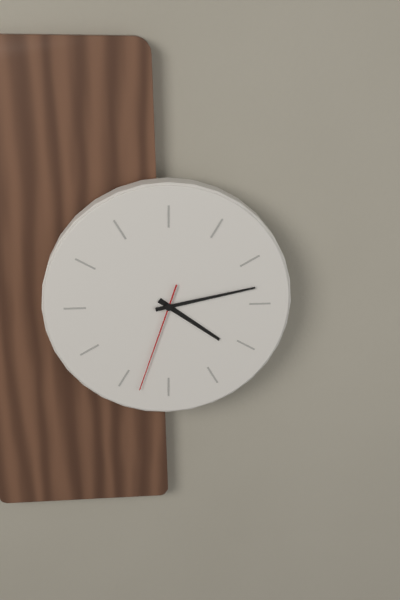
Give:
4h13m33s
